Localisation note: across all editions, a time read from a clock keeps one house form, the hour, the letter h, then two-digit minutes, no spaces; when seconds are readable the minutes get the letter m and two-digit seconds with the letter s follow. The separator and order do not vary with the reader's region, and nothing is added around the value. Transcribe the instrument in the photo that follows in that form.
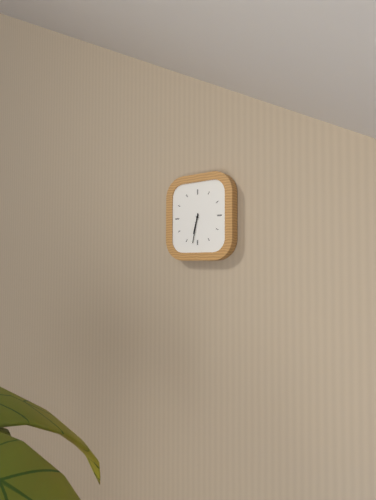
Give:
6h32
